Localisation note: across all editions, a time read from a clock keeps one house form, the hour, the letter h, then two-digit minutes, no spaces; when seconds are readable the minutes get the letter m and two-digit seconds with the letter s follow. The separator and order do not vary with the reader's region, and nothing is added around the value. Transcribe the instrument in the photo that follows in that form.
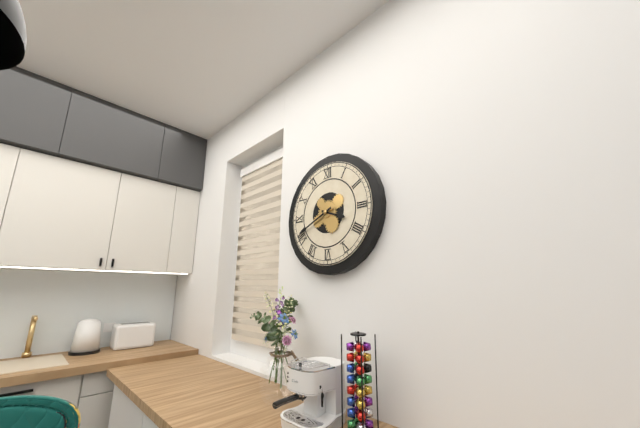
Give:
3h41
